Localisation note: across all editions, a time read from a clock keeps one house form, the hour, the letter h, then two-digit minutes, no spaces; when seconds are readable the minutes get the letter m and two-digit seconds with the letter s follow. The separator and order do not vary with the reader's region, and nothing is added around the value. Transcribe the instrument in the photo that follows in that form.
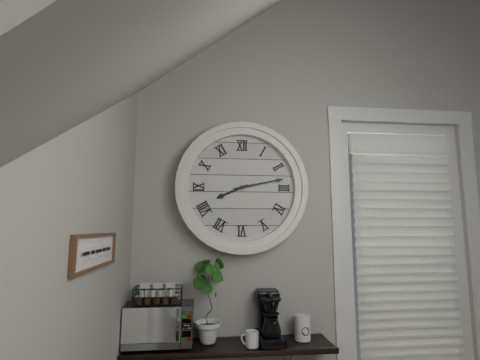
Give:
8h13
